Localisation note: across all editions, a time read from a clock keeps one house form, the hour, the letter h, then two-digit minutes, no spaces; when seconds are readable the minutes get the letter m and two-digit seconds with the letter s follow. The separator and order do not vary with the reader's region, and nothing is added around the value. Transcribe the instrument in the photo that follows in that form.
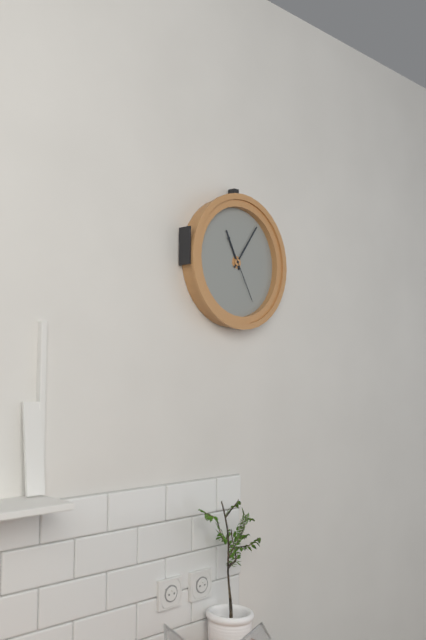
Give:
11h06m25s
